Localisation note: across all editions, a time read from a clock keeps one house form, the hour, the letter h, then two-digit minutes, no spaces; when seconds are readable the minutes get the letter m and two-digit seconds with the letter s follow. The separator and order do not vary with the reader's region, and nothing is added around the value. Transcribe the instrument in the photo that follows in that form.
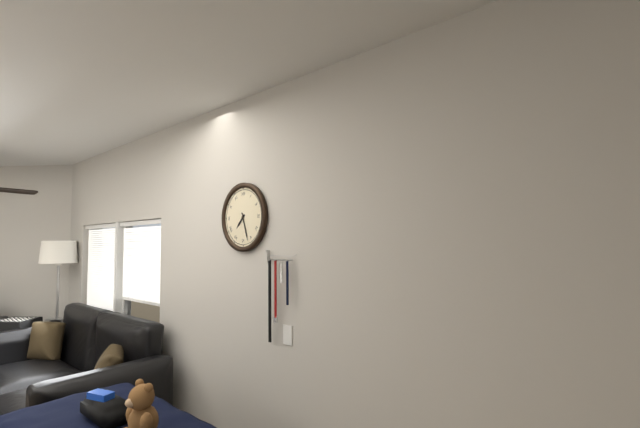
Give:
7h27
